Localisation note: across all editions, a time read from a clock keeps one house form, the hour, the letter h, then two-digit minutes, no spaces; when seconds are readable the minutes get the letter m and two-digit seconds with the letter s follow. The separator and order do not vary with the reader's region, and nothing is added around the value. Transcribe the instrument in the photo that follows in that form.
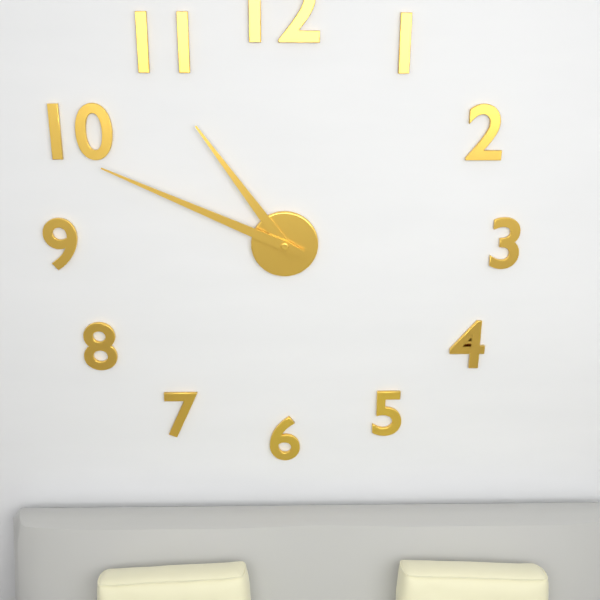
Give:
10h49
